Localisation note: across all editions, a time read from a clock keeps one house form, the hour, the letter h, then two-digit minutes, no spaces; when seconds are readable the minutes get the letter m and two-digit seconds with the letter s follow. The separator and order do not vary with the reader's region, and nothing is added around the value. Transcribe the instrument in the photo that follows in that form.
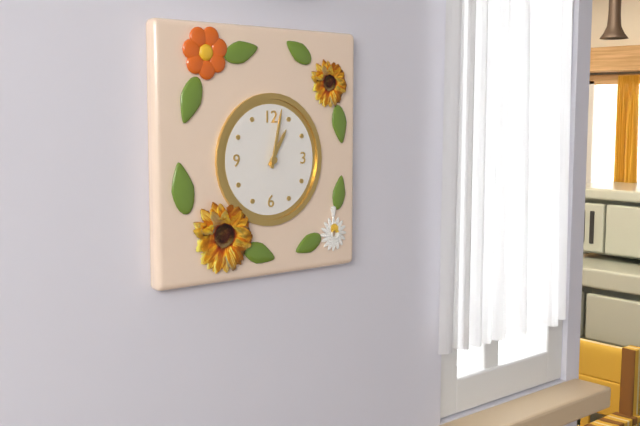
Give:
1h02
